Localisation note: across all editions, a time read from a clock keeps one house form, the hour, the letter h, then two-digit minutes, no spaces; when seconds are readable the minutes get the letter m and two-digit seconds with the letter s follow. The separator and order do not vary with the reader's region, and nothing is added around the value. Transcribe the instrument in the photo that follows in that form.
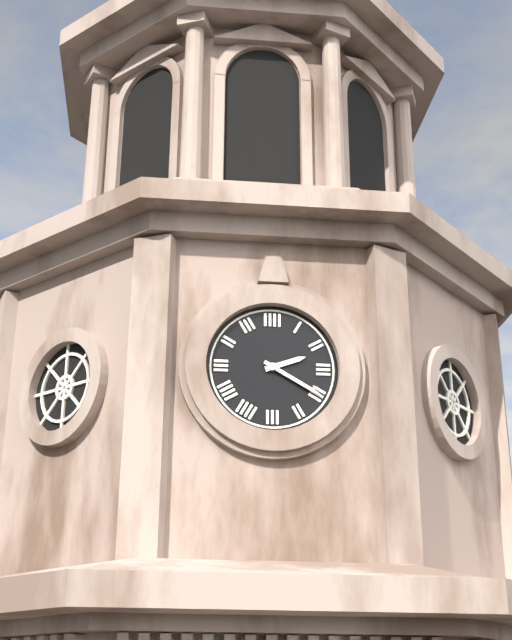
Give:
2h20
